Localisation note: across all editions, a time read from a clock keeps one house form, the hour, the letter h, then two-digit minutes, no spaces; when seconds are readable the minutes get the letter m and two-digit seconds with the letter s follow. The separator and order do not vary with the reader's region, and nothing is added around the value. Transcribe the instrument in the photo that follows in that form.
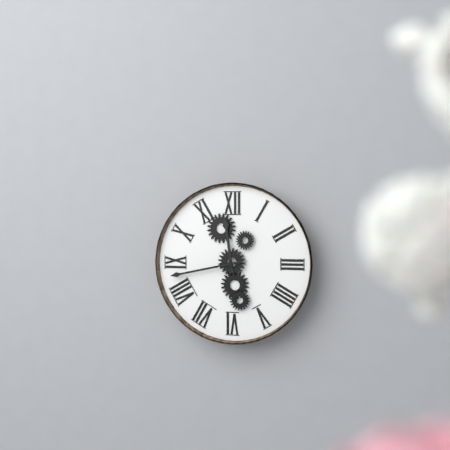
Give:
11h43
